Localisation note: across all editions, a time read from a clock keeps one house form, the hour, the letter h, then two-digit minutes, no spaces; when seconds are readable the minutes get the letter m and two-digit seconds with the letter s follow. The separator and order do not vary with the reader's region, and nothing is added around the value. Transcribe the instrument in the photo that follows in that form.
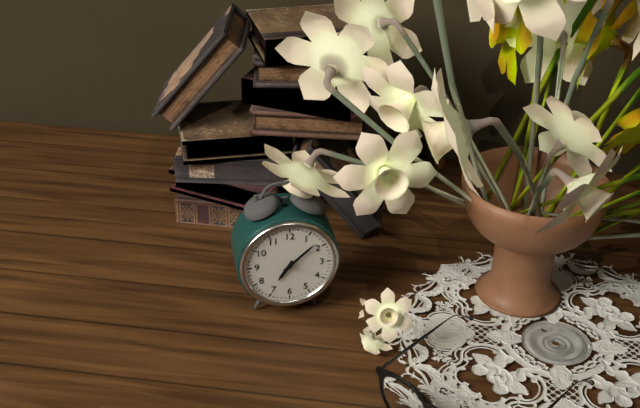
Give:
7h08
